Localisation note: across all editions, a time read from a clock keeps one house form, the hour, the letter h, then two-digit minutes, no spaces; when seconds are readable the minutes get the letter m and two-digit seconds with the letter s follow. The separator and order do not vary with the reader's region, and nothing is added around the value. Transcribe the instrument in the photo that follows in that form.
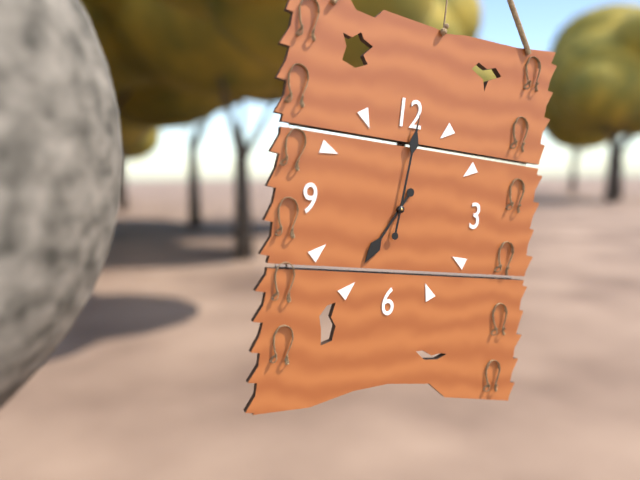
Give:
7h01
